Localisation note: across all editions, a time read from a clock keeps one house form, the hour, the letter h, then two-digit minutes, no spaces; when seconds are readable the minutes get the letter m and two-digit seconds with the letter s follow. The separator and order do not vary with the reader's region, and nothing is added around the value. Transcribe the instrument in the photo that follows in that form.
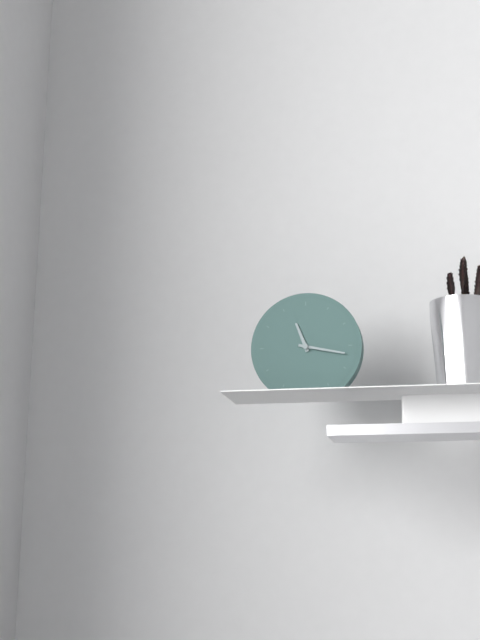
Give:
11h17
